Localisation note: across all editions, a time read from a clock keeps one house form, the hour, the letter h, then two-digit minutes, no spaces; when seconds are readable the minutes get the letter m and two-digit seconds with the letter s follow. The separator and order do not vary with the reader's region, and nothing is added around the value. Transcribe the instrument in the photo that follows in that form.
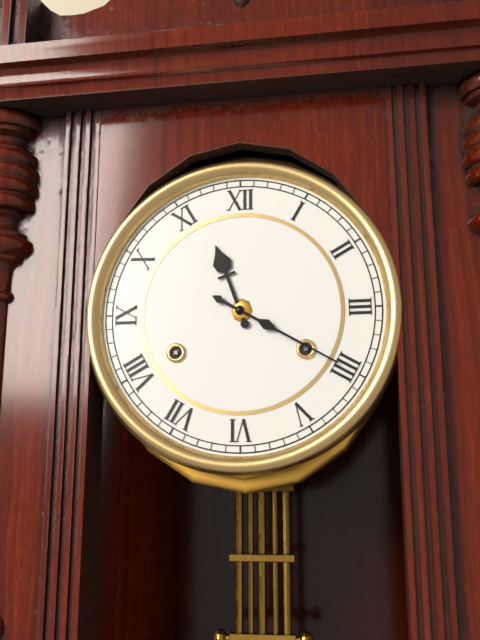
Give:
11h20
